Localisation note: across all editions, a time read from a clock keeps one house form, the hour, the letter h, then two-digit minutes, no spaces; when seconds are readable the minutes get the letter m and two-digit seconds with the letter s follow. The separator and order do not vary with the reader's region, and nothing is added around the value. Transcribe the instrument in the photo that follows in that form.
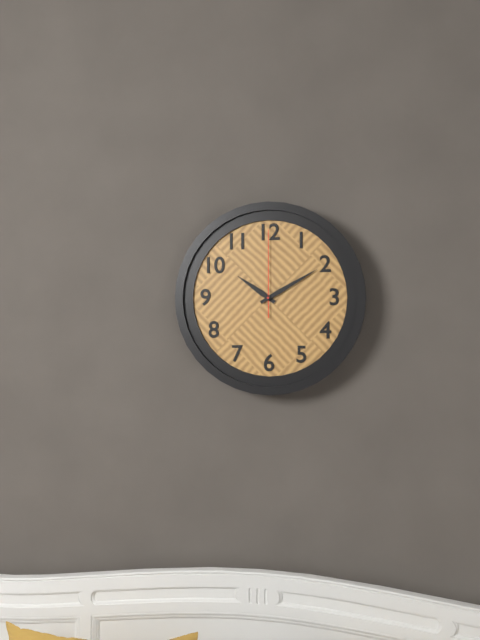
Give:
10h10m00s
